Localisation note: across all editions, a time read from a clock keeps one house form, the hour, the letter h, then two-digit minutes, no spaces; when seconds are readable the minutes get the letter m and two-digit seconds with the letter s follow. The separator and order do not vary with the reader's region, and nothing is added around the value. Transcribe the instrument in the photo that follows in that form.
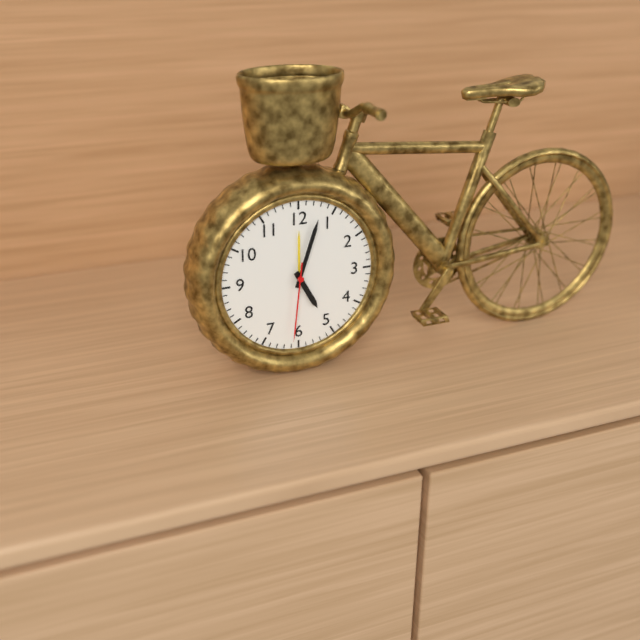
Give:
5h03m31s
